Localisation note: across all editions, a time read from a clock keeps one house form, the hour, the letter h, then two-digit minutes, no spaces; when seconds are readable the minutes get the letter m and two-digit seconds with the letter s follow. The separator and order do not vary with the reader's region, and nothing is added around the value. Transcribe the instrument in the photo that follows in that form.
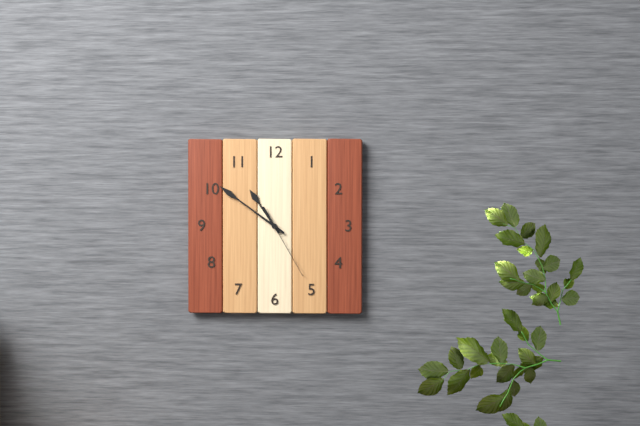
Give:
10h51m25s
